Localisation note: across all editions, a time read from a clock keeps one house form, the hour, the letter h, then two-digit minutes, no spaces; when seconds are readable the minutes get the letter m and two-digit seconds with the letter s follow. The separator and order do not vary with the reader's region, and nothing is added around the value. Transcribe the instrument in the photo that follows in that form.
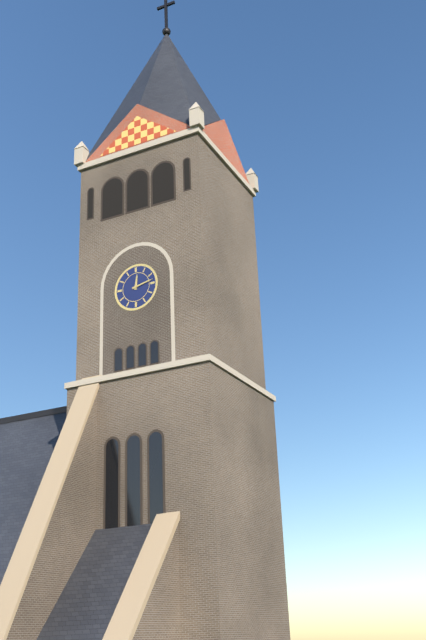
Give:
12h13
